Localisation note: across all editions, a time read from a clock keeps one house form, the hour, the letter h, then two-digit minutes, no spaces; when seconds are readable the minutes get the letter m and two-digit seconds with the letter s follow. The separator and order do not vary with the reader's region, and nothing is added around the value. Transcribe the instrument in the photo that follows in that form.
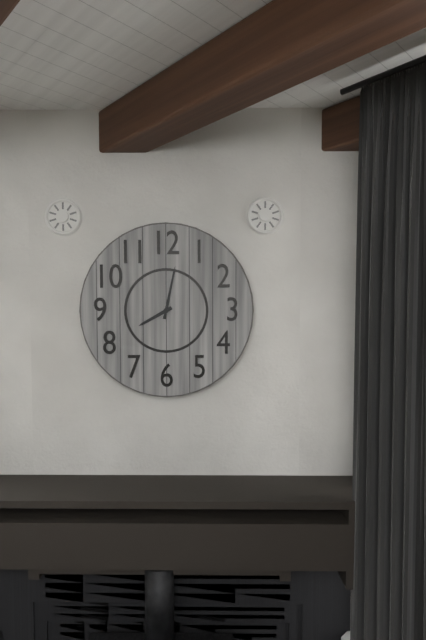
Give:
8h02
